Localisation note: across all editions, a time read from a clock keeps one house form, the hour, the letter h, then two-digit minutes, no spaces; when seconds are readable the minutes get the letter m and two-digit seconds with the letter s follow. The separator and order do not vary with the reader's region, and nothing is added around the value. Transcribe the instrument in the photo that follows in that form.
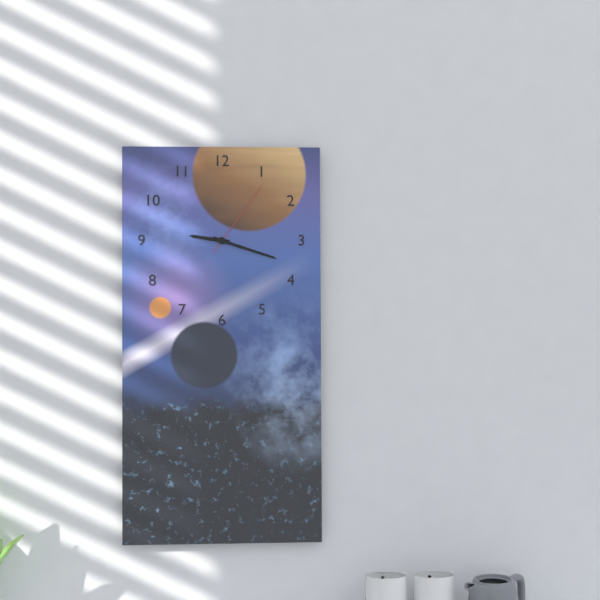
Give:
9h18m06s
